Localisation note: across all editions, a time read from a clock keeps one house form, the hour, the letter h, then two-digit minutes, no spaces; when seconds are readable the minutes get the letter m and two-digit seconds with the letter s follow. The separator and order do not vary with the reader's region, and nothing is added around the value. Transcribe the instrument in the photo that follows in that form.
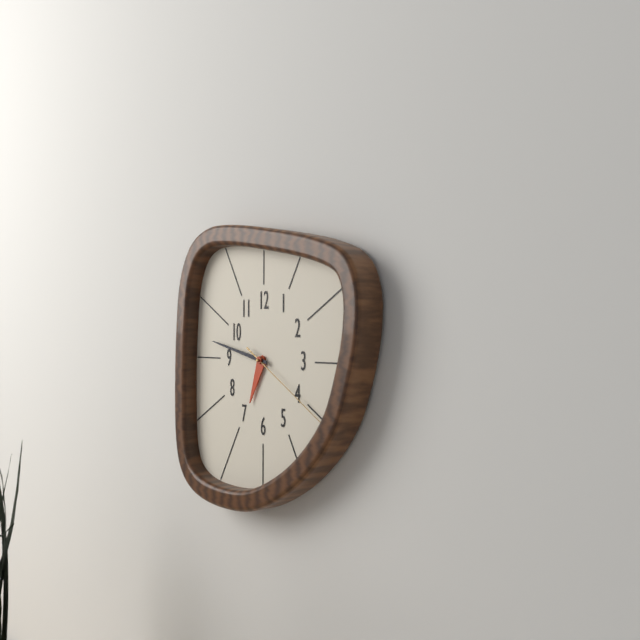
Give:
6h47m20s
